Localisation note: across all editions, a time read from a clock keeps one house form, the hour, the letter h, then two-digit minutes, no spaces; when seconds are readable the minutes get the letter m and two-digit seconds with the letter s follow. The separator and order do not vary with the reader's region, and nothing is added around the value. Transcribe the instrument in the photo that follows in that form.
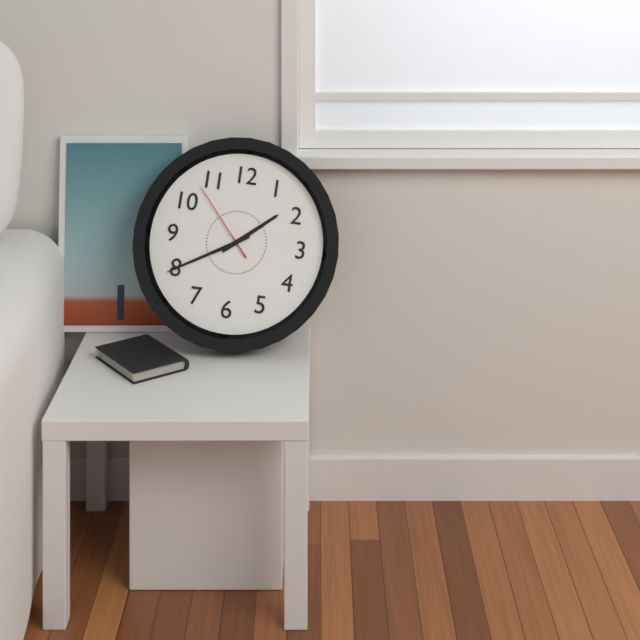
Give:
1h40m53s
